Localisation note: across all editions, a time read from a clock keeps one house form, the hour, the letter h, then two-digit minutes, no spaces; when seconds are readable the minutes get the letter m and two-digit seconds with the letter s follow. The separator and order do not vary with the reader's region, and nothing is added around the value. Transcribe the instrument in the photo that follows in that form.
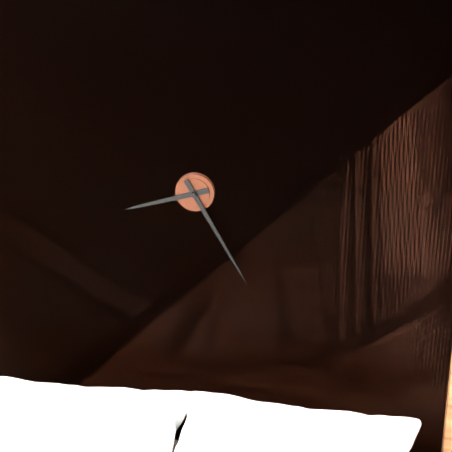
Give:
8h25
